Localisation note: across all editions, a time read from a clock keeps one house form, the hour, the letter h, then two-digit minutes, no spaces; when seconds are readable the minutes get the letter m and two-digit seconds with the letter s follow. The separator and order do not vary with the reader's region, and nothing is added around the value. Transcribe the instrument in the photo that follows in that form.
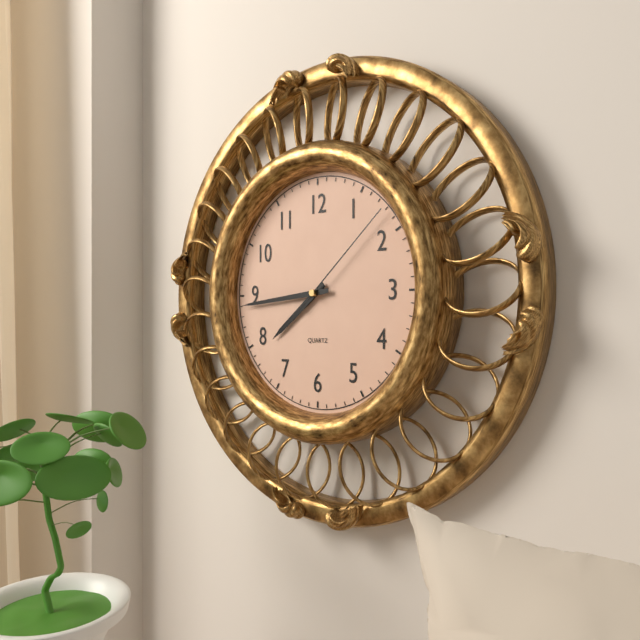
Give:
7h44m08s
